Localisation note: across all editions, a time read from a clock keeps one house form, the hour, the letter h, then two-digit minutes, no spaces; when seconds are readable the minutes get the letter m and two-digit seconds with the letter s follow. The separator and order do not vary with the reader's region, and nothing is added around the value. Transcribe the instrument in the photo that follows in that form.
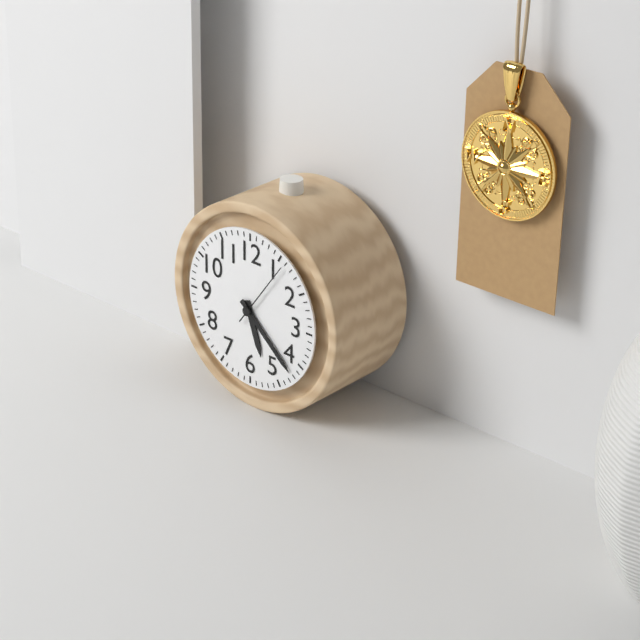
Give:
5h22m06s
